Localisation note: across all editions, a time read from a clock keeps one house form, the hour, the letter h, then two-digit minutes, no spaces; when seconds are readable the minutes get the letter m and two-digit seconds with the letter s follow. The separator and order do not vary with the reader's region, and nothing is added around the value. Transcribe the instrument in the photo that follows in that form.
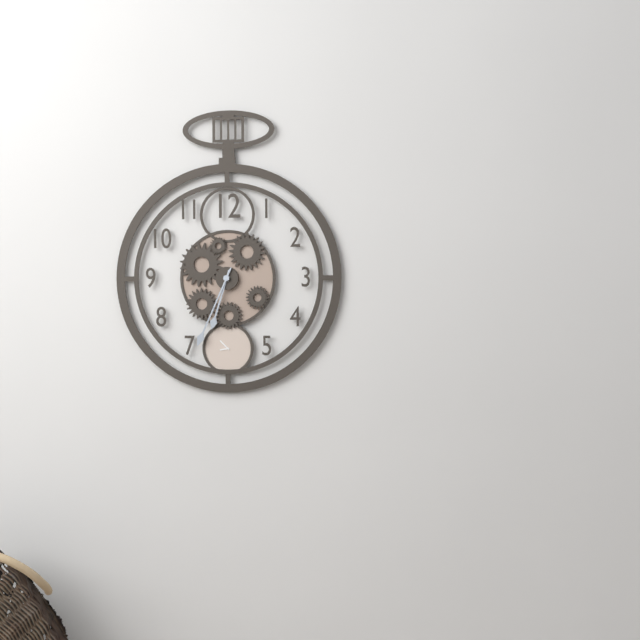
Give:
6h34
